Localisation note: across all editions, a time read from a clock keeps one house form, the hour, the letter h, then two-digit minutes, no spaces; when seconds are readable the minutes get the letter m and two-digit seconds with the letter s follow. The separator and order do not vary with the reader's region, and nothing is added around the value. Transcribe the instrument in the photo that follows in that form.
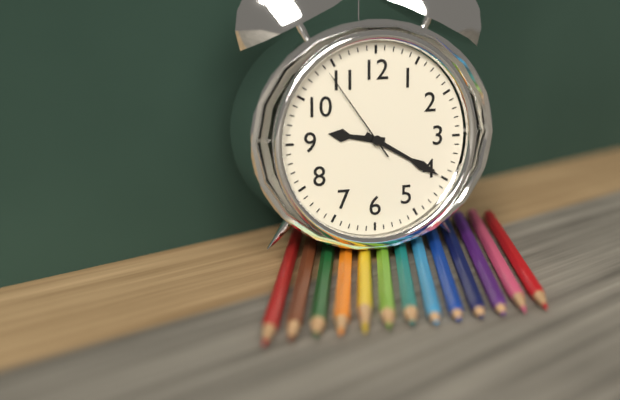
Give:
9h20m54s
